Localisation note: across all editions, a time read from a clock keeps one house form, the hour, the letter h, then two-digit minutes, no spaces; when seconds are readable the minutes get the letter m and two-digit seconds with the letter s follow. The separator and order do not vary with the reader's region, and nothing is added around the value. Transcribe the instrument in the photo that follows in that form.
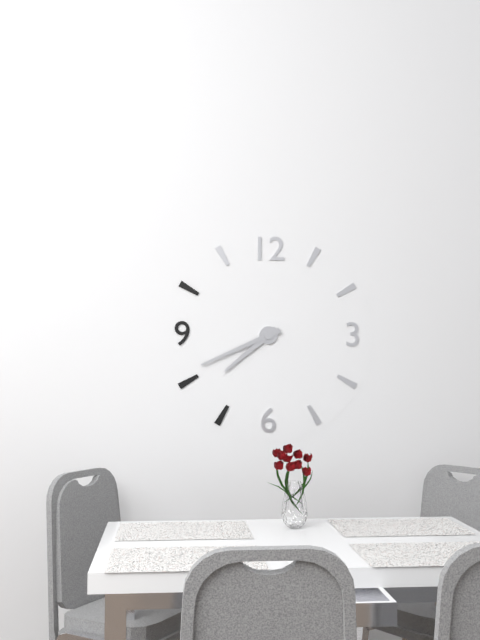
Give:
7h41
